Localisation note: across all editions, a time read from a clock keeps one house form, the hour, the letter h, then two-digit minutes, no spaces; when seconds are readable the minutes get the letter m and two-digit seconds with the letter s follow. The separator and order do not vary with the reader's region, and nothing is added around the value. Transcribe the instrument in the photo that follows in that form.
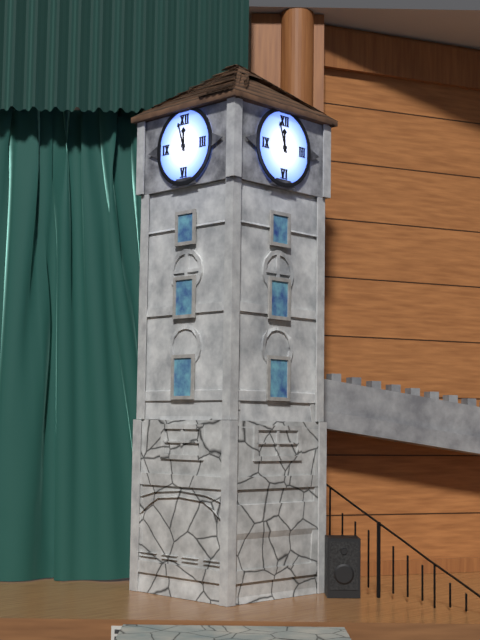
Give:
11h57
